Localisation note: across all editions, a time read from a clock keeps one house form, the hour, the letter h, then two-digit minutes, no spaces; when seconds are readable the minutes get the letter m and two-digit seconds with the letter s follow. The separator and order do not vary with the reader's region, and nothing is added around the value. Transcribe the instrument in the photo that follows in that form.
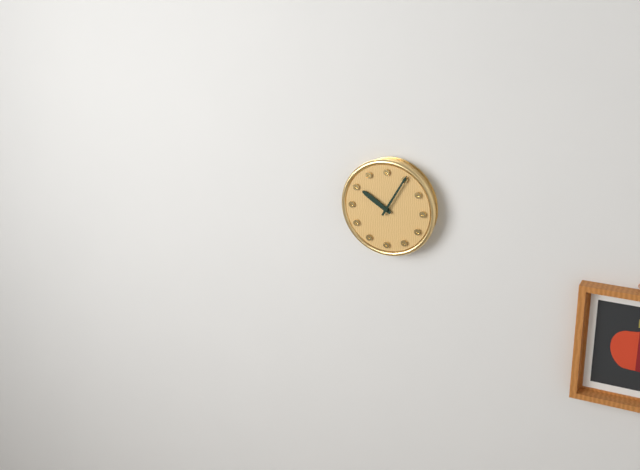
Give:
10h05
